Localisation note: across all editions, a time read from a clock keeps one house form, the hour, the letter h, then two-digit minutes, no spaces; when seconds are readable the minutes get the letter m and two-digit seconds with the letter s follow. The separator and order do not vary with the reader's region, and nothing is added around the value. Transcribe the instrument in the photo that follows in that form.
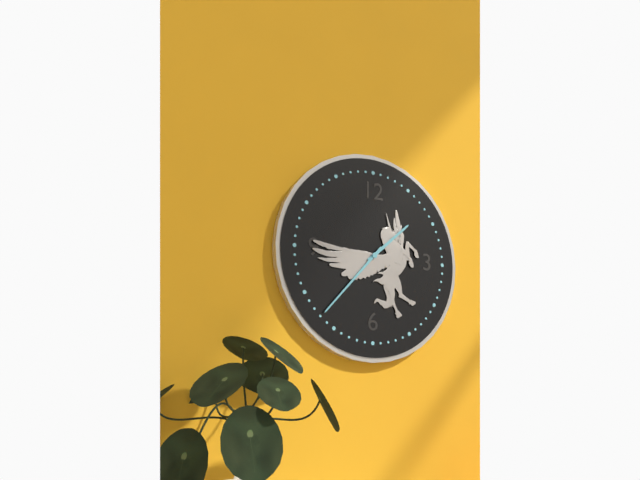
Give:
1h37
